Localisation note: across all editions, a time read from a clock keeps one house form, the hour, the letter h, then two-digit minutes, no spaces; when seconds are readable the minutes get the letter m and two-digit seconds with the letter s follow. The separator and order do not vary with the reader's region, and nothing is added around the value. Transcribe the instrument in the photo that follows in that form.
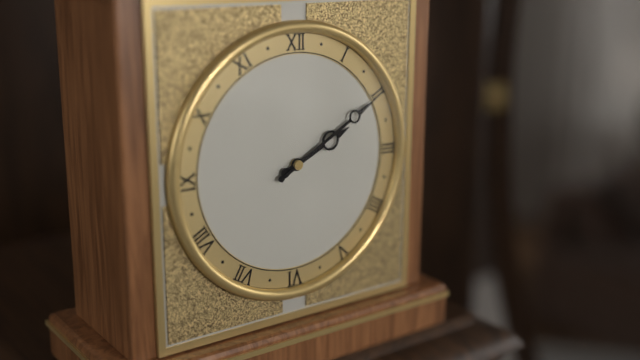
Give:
2h10
